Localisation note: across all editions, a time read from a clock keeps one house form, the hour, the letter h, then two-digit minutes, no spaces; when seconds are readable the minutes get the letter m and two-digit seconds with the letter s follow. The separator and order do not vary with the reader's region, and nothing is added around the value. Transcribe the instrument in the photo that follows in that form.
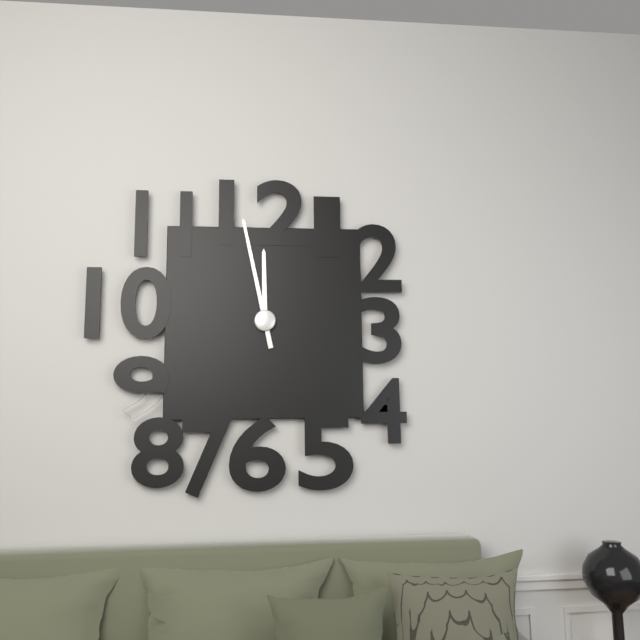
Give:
11h58
